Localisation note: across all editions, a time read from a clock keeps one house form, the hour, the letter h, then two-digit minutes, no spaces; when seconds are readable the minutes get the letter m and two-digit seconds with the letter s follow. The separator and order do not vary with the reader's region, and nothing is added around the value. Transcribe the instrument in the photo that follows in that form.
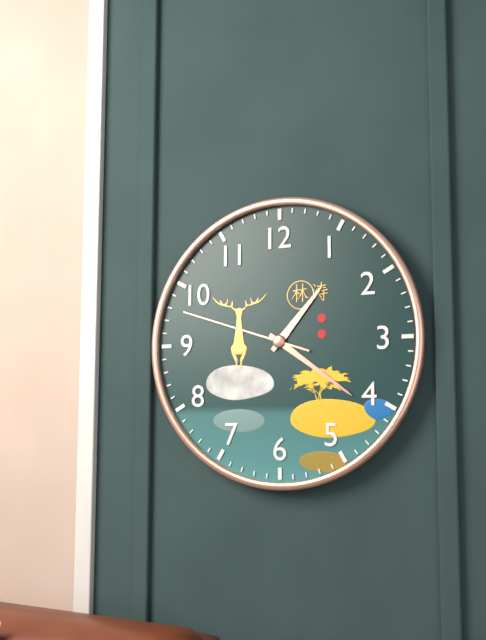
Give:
1h21m48s
